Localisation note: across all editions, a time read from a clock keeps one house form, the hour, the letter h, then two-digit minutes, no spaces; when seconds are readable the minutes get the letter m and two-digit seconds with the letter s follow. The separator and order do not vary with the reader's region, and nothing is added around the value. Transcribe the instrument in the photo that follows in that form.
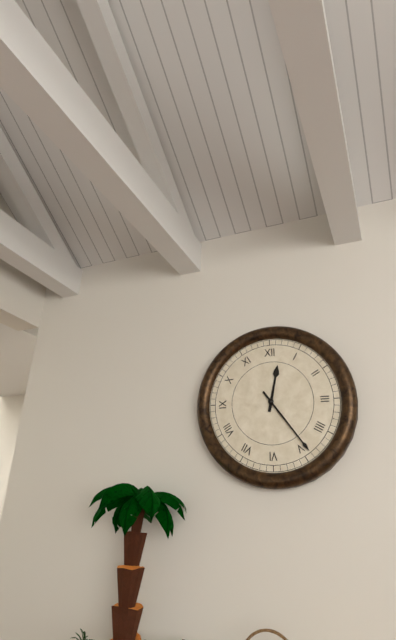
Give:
12h24
